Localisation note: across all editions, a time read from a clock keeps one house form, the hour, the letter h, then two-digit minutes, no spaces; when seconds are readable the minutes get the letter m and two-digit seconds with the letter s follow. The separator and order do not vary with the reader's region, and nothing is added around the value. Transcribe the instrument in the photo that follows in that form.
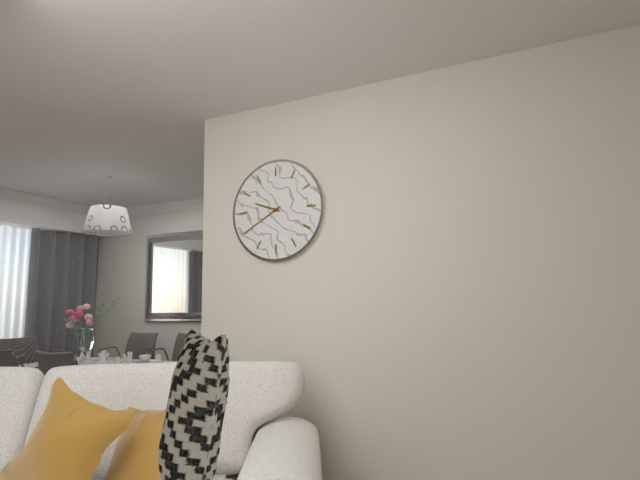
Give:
9h40
